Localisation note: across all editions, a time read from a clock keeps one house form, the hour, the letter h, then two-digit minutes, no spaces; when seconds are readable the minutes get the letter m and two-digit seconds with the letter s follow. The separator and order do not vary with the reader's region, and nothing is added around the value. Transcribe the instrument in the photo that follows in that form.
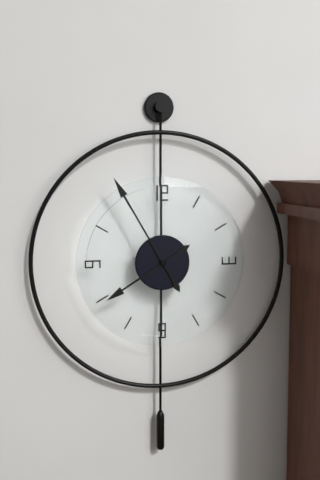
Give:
7h55
